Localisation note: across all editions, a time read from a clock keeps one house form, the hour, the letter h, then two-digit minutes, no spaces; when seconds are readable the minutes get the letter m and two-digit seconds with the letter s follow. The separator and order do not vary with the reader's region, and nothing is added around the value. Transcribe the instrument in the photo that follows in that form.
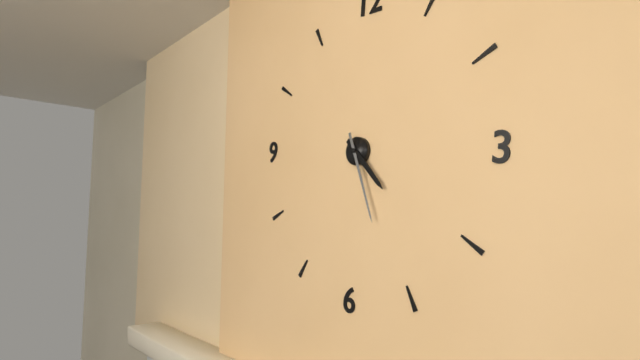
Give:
4h26
